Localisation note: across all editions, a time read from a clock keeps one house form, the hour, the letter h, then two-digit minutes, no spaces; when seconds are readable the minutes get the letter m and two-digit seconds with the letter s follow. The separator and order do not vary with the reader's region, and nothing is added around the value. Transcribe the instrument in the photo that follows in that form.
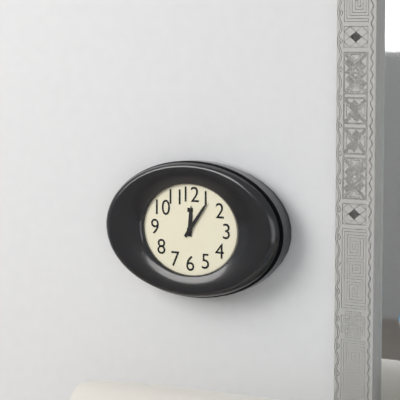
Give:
12h06
